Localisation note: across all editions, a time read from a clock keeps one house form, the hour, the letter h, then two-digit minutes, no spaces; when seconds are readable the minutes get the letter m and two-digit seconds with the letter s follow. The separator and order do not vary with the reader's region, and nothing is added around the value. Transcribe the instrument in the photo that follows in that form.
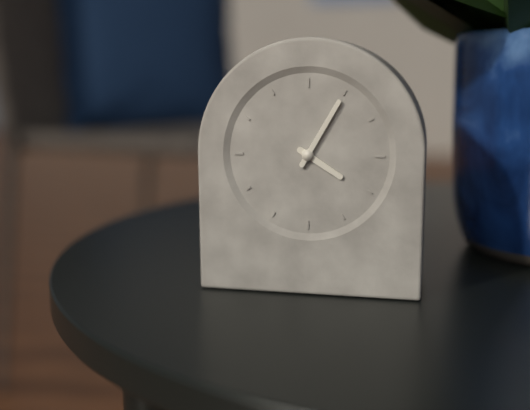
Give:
4h05
